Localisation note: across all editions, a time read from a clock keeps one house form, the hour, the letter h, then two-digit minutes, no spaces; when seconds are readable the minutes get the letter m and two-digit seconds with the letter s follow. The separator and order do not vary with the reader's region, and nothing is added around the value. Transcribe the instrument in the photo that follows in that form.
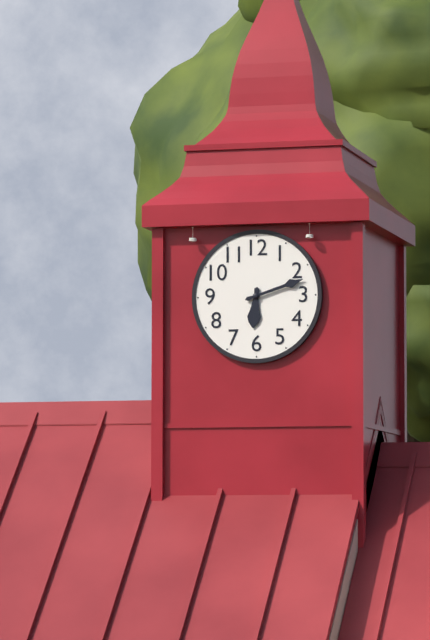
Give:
6h12
